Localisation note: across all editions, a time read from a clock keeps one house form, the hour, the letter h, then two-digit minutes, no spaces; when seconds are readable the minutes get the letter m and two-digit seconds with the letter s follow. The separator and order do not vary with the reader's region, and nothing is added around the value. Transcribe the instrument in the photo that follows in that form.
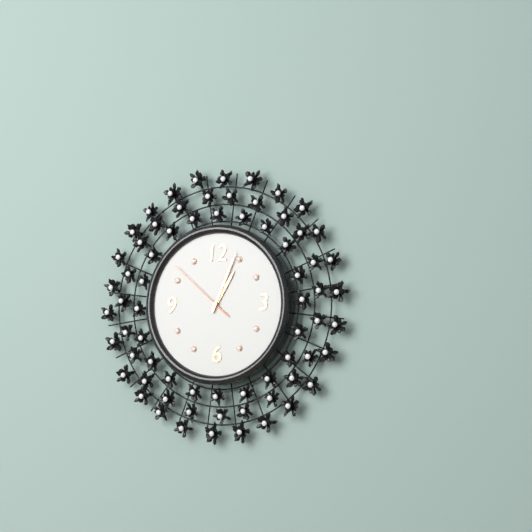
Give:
1h04m52s
